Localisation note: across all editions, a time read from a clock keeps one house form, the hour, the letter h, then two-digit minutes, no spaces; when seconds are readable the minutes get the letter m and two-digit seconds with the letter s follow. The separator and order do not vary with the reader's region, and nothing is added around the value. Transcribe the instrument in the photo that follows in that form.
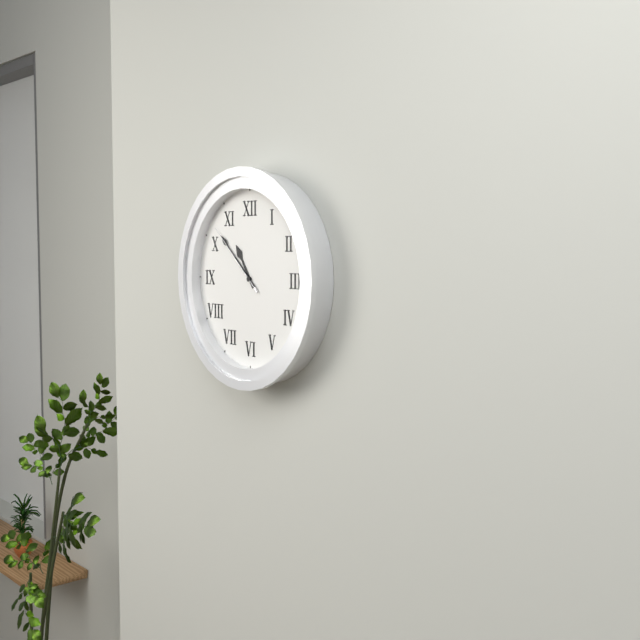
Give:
10h52m52s
